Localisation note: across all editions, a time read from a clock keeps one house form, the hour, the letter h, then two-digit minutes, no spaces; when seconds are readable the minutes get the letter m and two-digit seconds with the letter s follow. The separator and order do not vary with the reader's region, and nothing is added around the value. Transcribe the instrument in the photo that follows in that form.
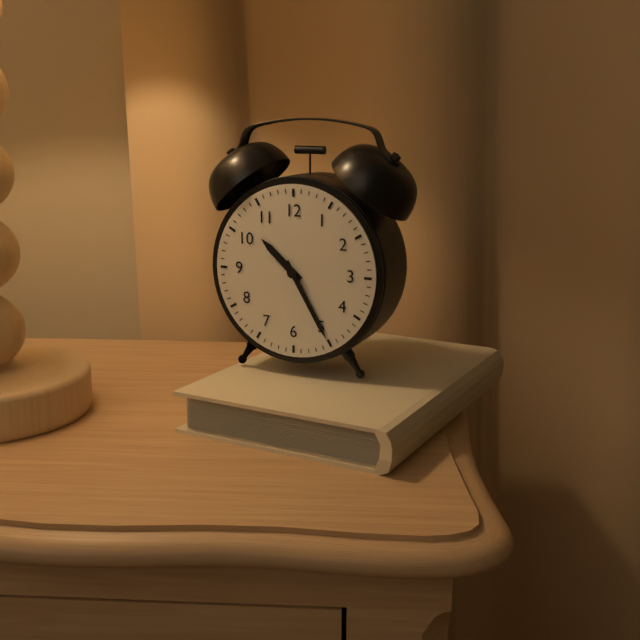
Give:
10h25
